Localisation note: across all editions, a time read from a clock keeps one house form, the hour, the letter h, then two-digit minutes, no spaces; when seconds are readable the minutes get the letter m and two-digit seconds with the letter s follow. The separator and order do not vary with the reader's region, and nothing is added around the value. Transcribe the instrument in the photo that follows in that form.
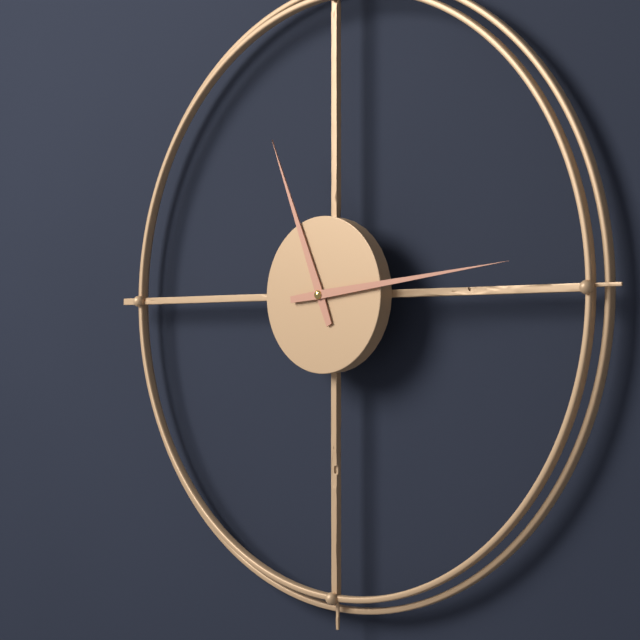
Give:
11h14
